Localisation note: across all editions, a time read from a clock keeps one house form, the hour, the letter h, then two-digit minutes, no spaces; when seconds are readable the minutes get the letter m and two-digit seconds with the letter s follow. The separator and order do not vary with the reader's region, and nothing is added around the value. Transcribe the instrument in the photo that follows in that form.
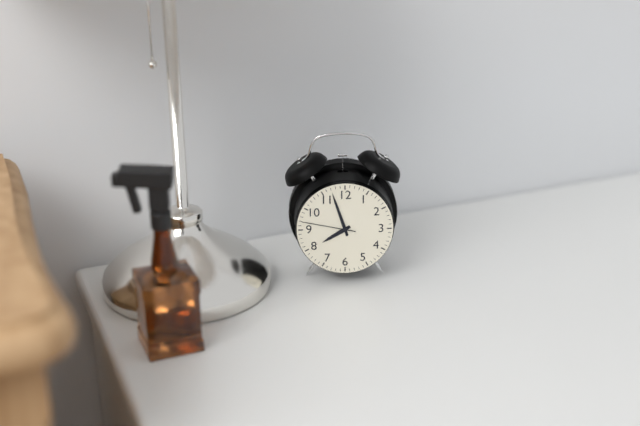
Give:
7h57m47s
